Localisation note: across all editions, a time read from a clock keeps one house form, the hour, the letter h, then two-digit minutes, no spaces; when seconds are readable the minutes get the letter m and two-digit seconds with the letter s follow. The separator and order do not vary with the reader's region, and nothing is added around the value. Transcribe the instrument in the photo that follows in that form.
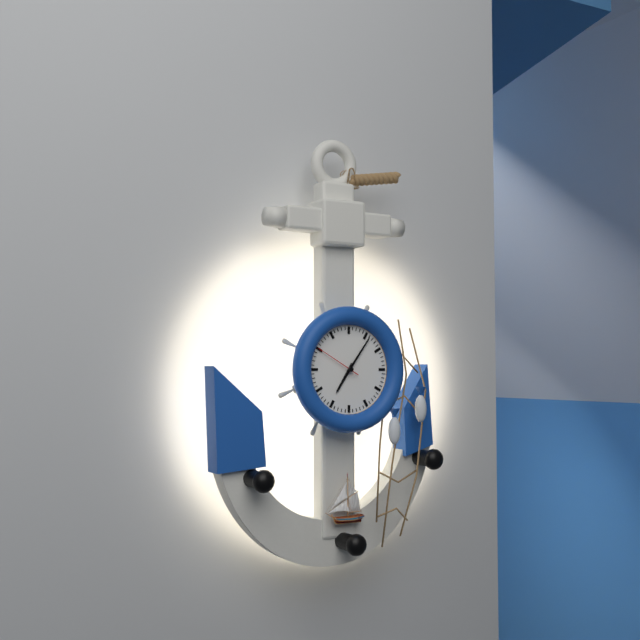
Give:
7h06
